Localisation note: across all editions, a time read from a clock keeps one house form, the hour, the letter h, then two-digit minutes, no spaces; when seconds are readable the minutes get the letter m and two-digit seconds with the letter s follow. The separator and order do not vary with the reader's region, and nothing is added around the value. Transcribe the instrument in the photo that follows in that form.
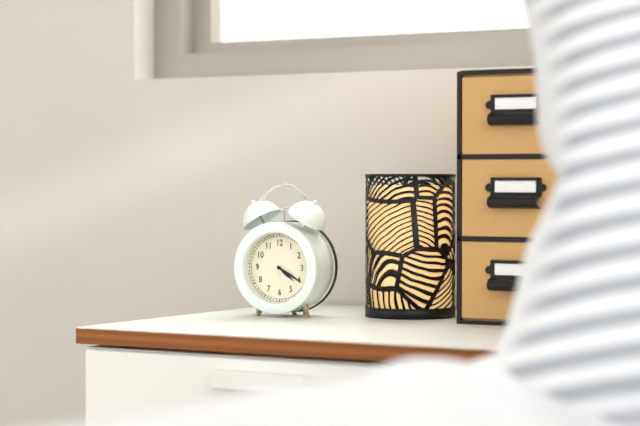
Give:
4h20
